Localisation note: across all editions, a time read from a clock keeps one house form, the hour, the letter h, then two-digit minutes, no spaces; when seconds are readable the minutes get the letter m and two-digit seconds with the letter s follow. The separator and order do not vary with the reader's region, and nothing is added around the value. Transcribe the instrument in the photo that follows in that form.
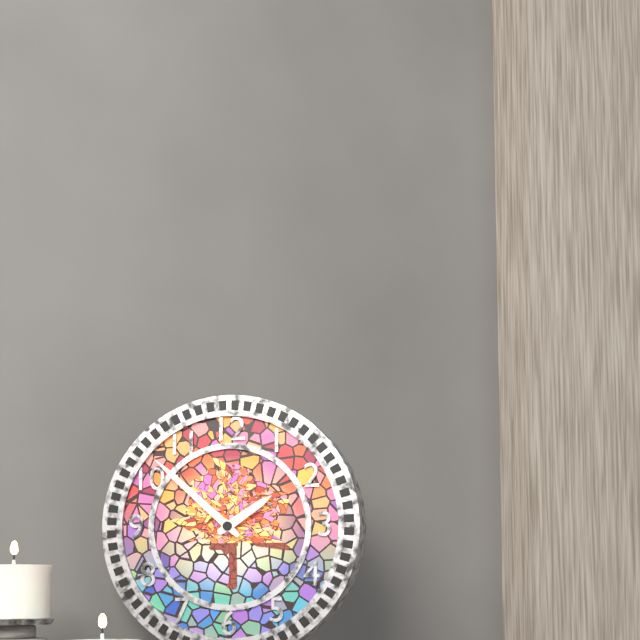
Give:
1h52
